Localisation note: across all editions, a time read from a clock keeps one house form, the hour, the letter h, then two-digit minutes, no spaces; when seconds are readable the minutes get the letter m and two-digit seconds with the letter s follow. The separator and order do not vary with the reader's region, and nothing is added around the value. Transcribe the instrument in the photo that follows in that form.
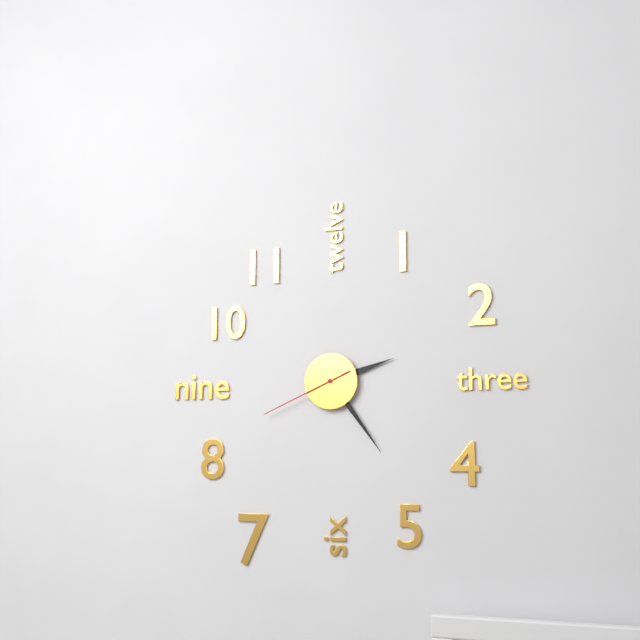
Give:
2h24m41s
